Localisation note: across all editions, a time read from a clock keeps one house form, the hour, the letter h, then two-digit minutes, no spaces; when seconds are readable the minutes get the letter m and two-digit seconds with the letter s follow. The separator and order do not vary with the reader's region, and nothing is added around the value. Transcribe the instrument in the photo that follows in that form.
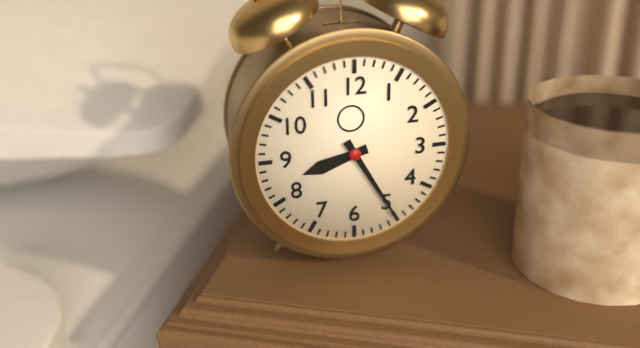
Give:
8h25
